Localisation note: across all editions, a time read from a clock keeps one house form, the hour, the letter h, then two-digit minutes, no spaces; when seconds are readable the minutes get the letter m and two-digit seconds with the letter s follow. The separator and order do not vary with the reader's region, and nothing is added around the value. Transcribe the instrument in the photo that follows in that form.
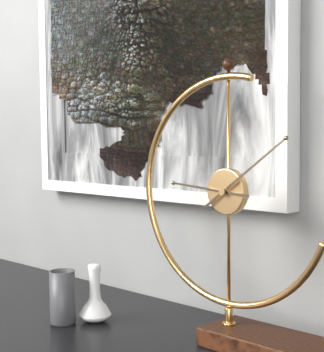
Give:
9h09
